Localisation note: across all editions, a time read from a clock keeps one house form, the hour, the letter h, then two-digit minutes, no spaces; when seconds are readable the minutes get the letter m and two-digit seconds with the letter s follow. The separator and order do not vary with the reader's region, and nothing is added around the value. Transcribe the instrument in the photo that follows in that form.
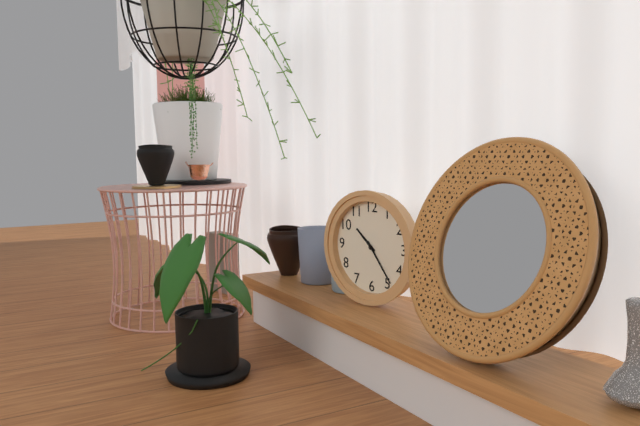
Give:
10h24
